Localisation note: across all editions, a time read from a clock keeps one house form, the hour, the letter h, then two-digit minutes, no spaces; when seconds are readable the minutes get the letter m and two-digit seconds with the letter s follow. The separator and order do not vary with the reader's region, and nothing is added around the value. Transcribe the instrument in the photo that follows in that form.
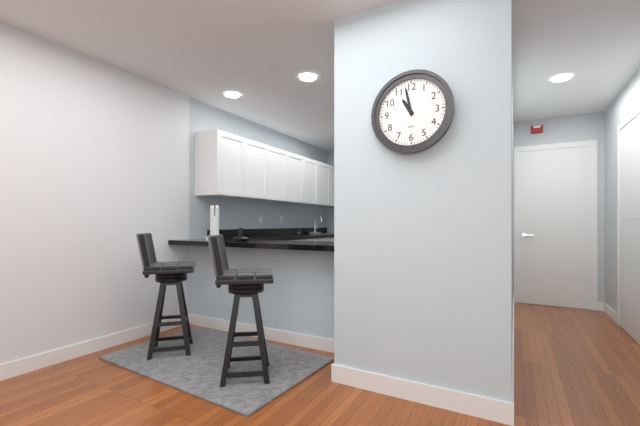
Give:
10h58
